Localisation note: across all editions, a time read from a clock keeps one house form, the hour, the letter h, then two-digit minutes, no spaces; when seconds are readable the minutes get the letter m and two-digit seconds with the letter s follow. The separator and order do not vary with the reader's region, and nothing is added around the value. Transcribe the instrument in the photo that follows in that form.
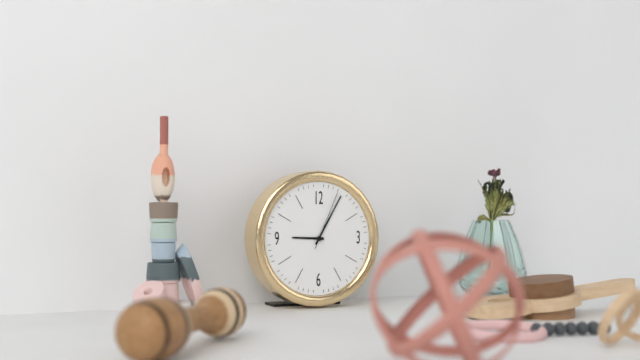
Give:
9h05m04s
